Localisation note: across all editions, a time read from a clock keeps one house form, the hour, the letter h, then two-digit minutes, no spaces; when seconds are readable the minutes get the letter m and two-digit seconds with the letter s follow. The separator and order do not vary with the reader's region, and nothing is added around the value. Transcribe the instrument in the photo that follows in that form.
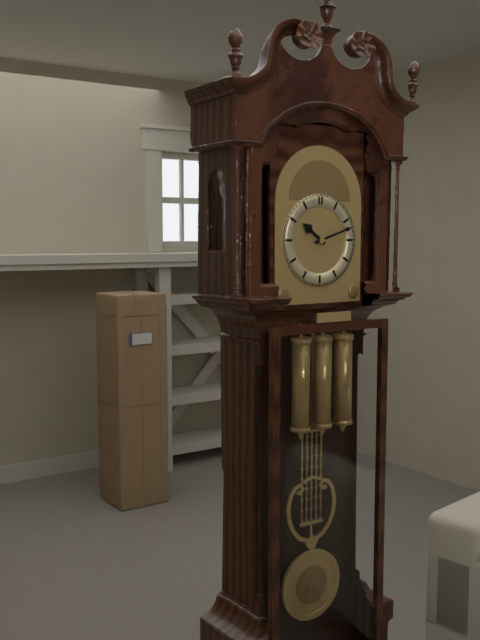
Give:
10h12
